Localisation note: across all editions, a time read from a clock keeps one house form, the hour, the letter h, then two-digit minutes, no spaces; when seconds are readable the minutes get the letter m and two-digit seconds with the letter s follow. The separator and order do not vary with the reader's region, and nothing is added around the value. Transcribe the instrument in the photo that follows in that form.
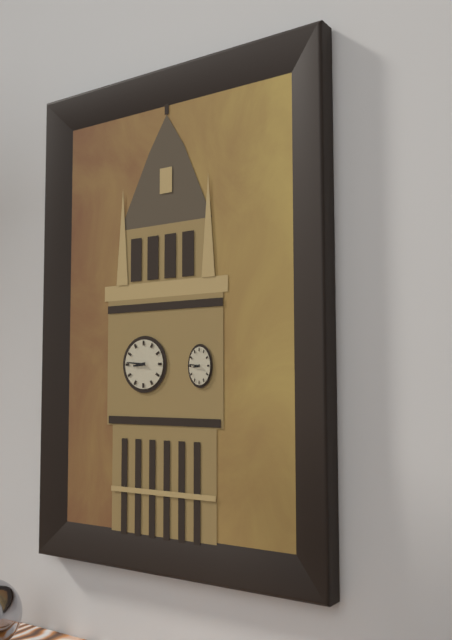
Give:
8h46
